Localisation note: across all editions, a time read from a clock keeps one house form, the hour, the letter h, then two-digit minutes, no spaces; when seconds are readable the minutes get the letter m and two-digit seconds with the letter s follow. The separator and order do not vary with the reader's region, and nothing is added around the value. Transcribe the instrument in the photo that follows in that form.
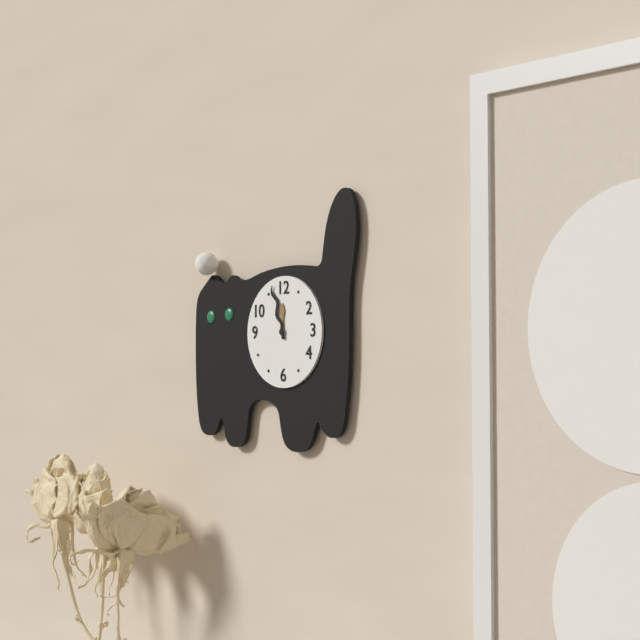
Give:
11h57
